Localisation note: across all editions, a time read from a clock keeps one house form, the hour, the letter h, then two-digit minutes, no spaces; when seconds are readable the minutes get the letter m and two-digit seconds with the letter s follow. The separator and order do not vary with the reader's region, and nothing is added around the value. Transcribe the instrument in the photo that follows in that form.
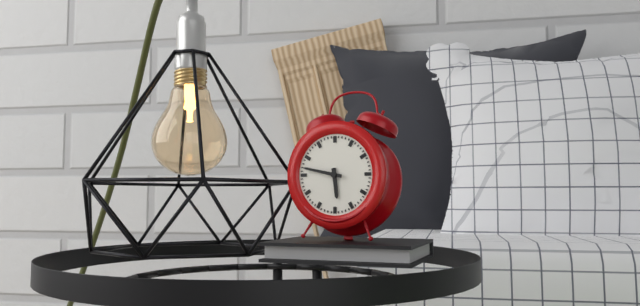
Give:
5h47
